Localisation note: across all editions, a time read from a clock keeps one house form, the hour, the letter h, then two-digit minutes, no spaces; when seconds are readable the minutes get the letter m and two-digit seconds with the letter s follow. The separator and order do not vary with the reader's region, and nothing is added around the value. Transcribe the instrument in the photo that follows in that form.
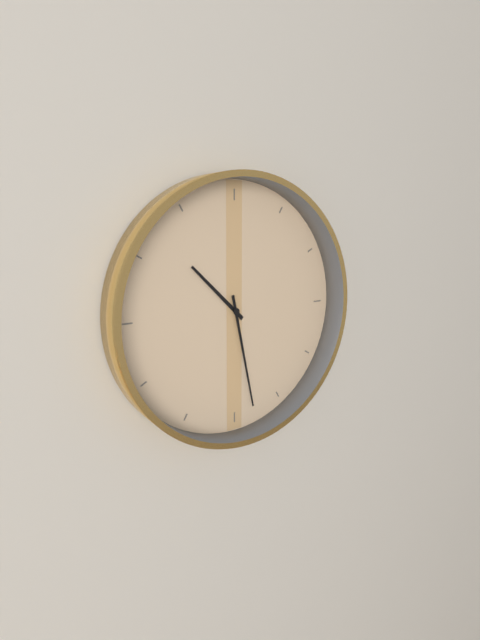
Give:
10h28
